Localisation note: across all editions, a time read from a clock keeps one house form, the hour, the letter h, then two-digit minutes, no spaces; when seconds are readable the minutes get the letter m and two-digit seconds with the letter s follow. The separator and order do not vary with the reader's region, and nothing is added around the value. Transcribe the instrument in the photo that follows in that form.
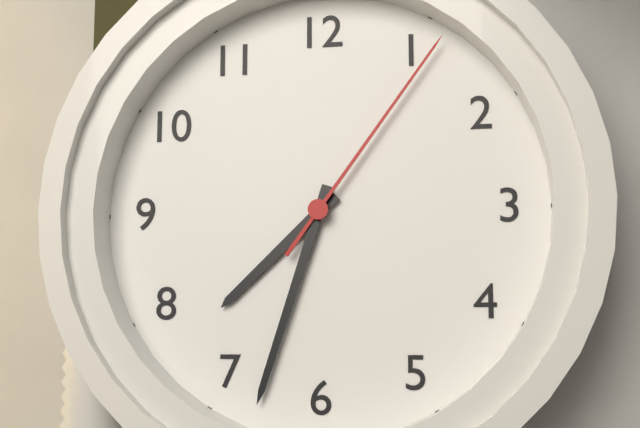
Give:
7h33m06s
